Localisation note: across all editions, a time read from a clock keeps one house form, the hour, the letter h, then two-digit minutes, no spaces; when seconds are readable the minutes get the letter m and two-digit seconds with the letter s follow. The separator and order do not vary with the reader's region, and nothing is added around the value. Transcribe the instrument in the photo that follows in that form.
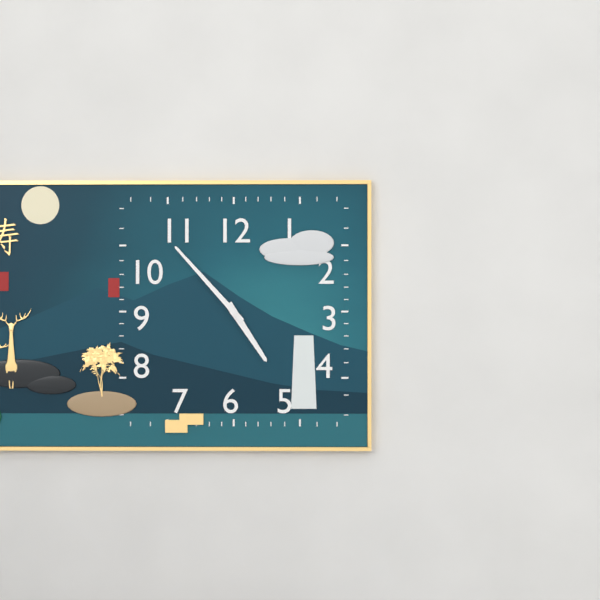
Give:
4h53
